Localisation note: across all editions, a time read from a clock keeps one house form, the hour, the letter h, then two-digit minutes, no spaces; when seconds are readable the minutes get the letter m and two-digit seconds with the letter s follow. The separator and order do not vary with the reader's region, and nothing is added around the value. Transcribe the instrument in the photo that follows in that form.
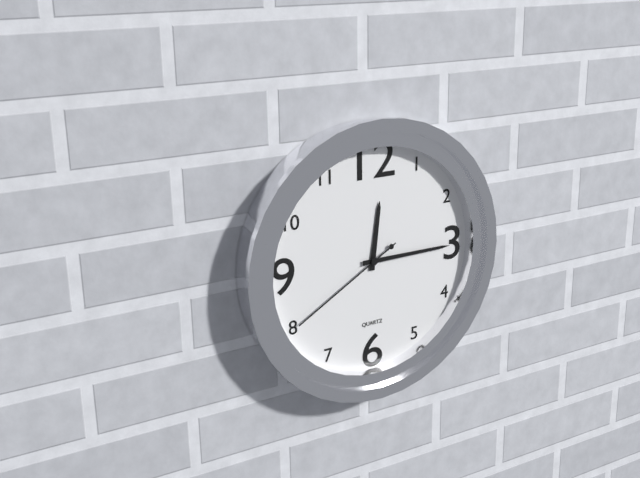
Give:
12h15m40s
